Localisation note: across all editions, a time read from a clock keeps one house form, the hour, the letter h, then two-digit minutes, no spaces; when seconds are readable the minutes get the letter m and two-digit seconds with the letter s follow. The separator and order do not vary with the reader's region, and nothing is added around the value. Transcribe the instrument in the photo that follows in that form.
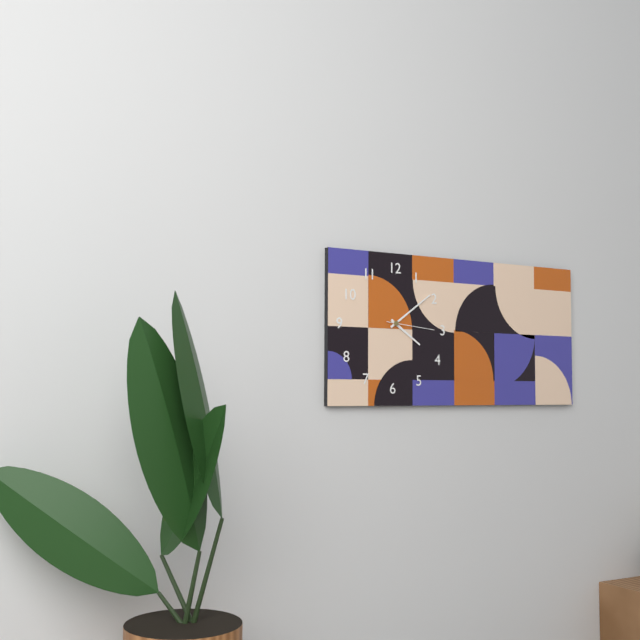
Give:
4h09
